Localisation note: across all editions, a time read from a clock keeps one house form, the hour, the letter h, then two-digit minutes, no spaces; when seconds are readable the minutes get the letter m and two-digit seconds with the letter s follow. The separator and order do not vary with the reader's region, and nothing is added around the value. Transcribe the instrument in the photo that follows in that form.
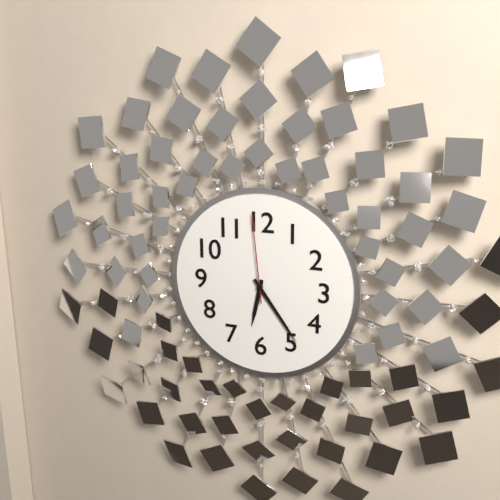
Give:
6h24m59s
